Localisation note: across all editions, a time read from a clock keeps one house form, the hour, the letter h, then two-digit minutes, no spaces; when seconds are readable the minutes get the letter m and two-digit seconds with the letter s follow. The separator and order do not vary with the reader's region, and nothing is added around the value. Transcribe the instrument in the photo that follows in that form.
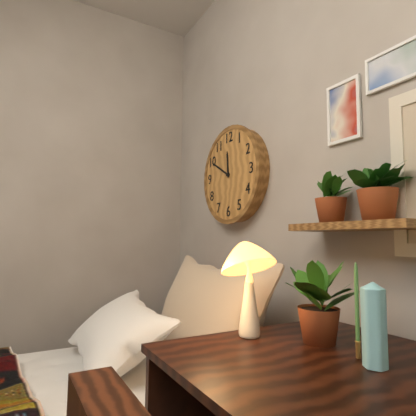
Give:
11h50
